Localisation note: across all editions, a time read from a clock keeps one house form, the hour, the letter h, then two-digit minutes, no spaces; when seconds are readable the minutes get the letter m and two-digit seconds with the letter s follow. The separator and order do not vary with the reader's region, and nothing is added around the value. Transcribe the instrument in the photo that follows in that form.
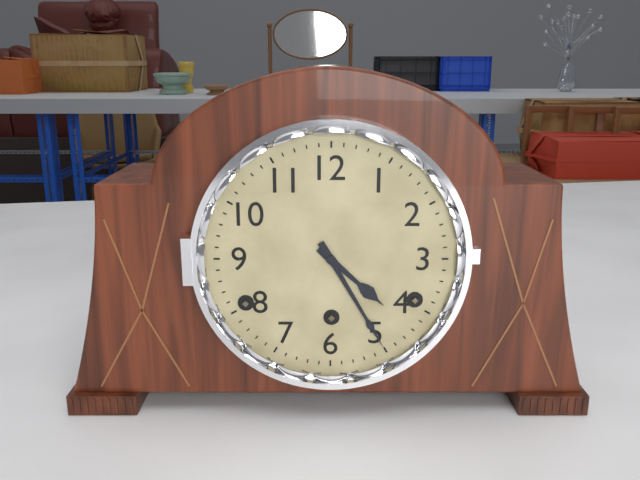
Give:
4h25
